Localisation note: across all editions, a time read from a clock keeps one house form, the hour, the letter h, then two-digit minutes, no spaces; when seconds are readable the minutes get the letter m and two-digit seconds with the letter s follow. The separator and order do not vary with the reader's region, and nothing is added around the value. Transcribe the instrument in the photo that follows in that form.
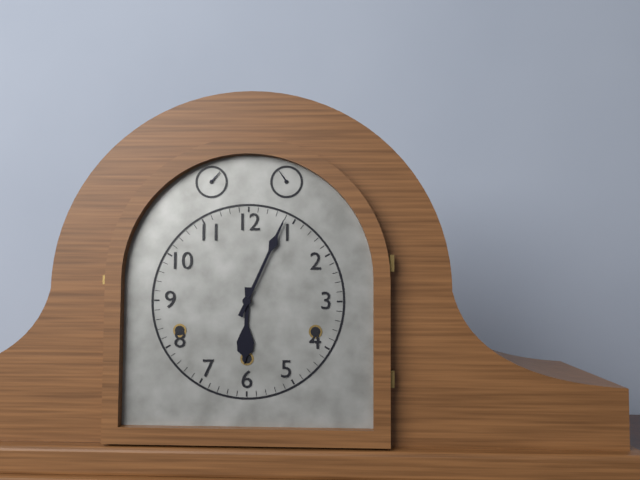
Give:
6h04
